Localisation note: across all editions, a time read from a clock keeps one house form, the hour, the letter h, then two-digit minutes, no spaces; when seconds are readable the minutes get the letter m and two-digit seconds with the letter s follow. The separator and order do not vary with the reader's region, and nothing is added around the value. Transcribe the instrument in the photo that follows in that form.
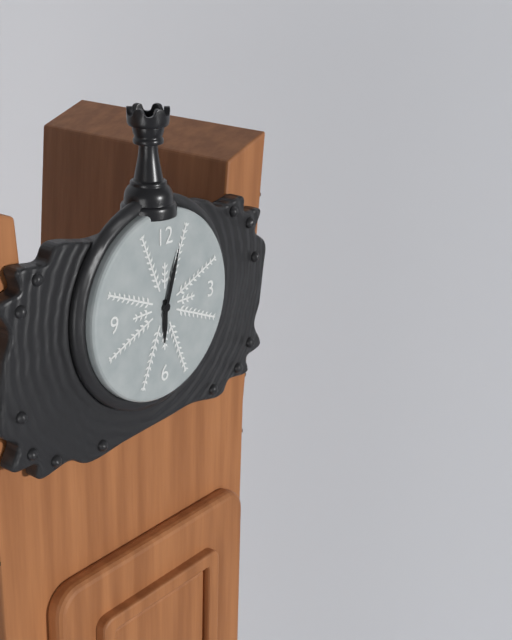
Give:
6h03
